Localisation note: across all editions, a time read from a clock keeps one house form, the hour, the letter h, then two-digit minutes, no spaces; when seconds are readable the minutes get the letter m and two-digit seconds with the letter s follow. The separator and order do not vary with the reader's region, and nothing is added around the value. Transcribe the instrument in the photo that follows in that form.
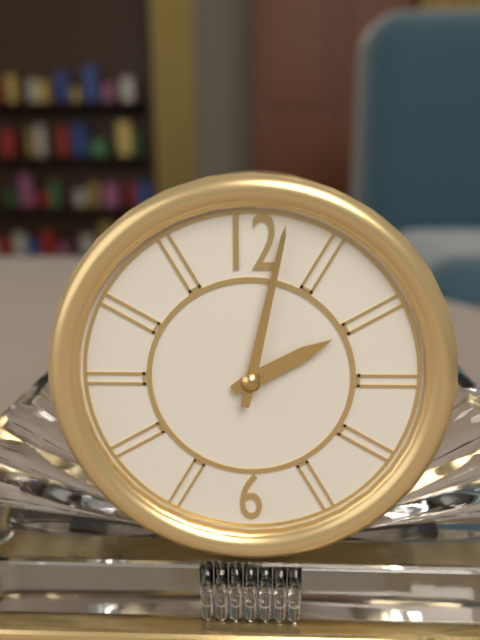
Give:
2h02
